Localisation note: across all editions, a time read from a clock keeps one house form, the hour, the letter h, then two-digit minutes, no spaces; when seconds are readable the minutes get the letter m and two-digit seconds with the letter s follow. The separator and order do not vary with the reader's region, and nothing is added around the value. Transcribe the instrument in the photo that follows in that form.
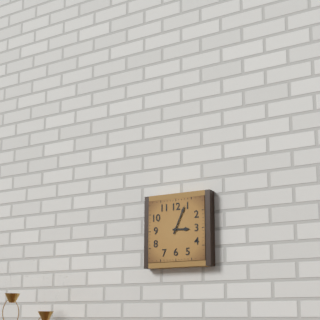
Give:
3h04
